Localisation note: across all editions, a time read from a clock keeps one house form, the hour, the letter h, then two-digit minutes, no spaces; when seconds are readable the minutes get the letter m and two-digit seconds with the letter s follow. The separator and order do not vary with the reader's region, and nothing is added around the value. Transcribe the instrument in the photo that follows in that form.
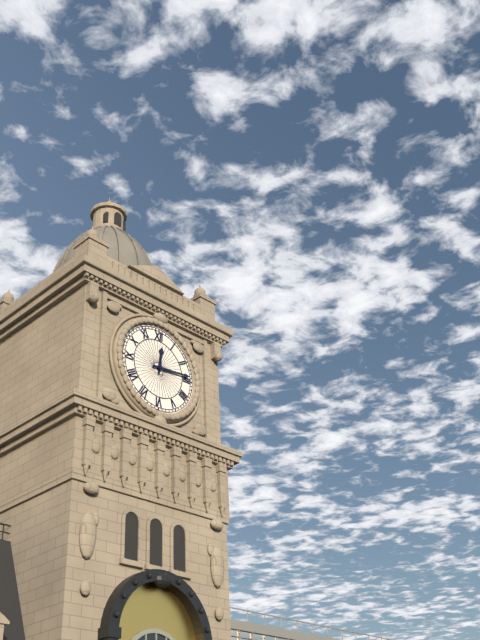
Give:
12h14
